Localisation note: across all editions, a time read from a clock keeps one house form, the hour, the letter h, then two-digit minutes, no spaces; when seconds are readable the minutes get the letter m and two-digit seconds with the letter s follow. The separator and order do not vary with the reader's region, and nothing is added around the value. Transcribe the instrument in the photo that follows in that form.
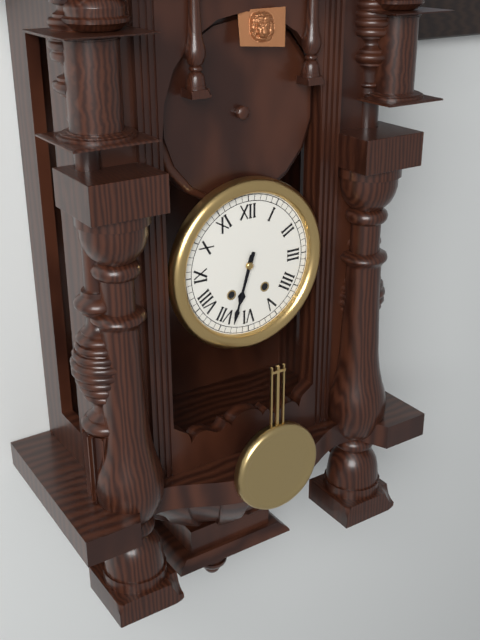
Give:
6h33
